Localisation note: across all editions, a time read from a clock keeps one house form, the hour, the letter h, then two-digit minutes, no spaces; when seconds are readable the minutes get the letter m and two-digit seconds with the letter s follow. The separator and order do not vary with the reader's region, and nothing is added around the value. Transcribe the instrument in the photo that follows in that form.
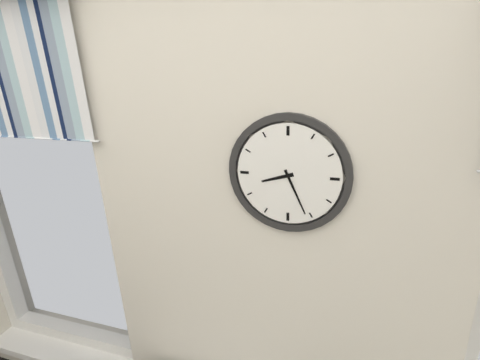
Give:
8h26
